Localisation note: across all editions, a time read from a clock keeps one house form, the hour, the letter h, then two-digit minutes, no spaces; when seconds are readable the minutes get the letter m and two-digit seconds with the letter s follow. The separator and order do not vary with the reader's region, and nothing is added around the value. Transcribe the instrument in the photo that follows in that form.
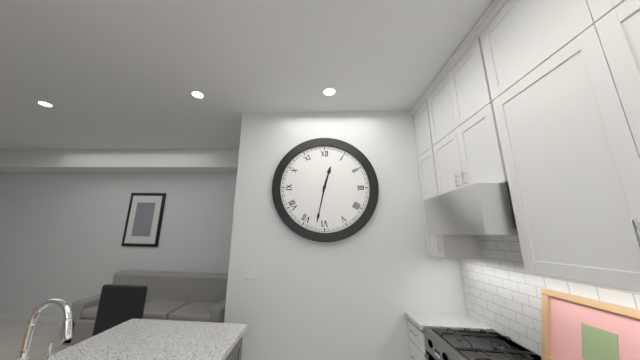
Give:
12h32
